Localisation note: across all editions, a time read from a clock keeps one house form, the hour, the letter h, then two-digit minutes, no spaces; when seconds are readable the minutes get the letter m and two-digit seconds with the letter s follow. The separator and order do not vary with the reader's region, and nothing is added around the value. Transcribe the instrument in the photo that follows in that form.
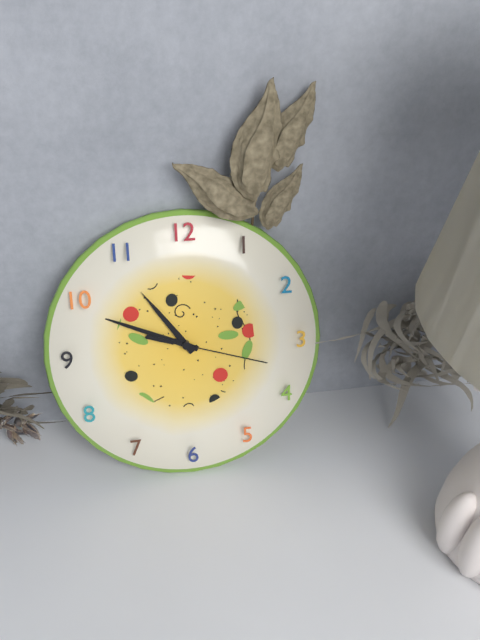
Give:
10h49m18s
